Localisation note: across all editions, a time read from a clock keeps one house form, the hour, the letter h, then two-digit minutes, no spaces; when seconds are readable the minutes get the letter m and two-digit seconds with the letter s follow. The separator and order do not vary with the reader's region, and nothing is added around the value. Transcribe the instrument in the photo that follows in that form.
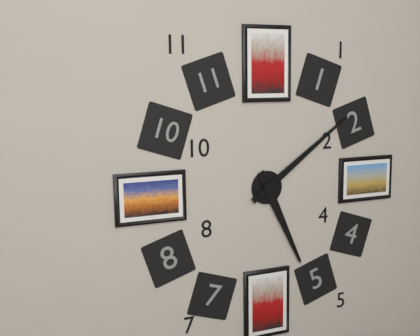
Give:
5h09
